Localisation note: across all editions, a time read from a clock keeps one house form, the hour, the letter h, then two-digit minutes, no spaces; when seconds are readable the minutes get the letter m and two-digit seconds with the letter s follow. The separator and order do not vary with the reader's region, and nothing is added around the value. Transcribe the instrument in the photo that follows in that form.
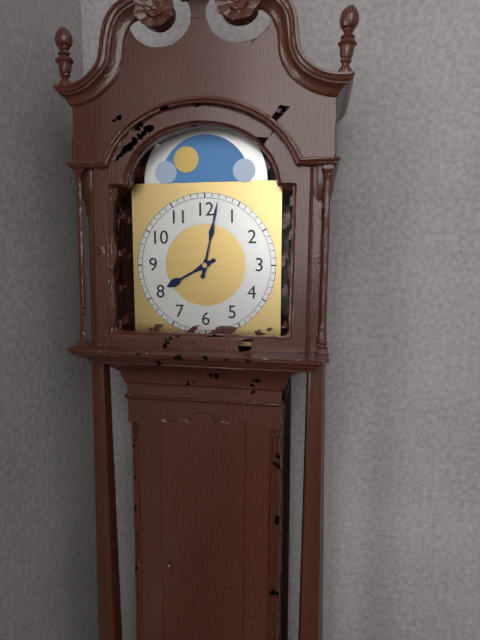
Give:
8h02
